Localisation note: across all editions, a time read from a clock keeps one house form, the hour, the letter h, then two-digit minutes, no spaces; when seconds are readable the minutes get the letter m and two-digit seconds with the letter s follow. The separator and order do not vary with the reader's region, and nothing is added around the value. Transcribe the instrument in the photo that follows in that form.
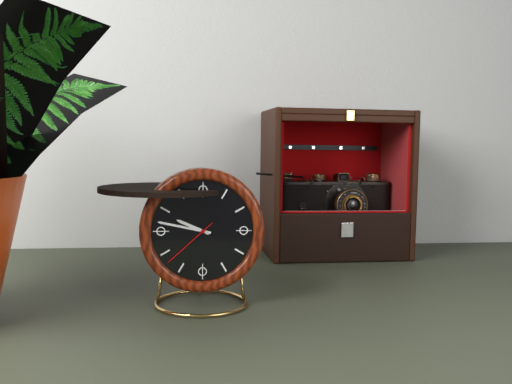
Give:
9h47m38s
